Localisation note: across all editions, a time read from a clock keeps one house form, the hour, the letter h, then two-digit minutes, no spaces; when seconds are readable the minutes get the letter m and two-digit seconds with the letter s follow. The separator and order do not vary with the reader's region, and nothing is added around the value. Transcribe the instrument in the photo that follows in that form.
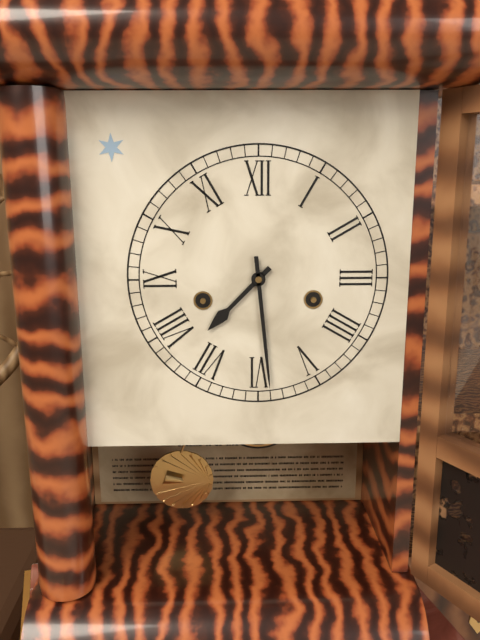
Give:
7h29
